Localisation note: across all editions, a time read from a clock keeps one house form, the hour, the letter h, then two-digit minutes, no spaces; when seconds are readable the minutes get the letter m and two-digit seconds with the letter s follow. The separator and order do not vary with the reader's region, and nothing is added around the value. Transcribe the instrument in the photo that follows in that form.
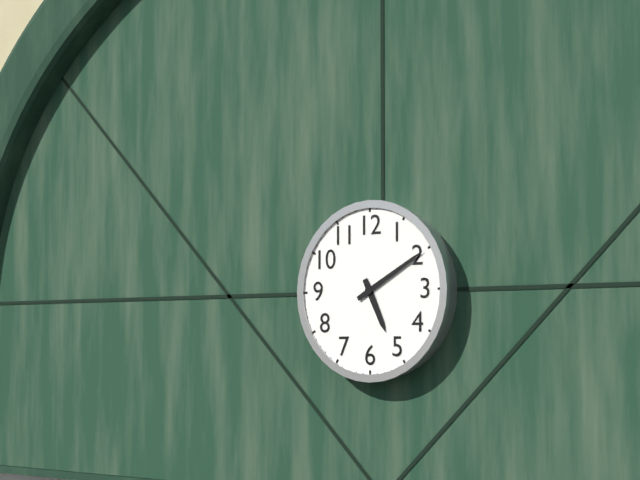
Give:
5h10
